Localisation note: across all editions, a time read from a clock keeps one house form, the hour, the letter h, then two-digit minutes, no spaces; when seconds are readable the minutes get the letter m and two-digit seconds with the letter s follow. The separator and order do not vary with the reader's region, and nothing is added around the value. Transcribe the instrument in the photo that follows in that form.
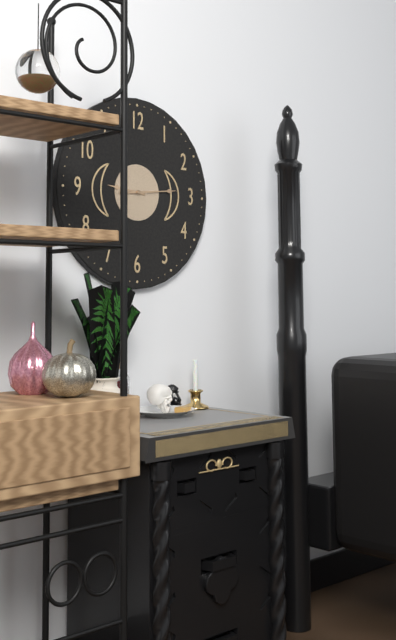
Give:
9h14
